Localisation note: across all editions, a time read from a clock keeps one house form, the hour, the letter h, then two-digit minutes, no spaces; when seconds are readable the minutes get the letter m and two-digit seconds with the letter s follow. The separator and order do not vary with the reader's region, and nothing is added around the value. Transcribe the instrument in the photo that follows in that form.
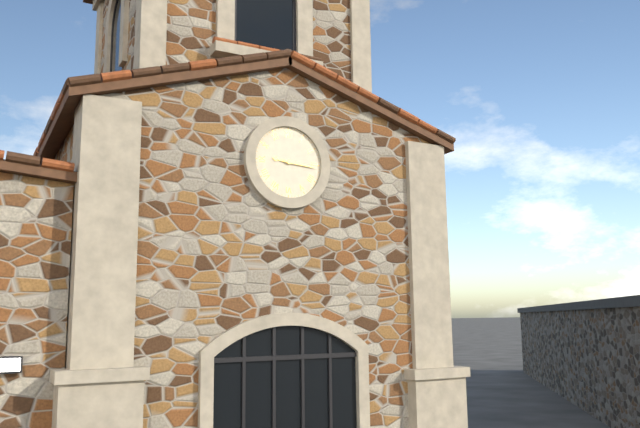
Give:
9h16
